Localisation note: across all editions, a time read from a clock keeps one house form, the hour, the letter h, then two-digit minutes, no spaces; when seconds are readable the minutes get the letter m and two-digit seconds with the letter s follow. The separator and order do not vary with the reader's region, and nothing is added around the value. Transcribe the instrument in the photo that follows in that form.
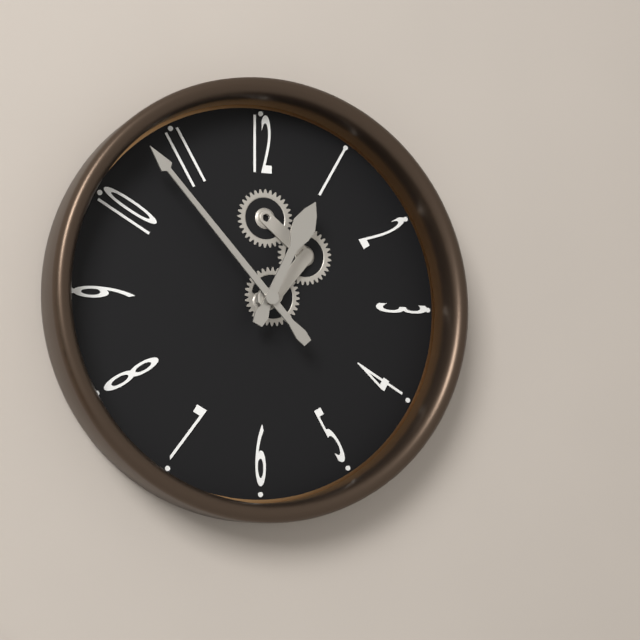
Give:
12h53
